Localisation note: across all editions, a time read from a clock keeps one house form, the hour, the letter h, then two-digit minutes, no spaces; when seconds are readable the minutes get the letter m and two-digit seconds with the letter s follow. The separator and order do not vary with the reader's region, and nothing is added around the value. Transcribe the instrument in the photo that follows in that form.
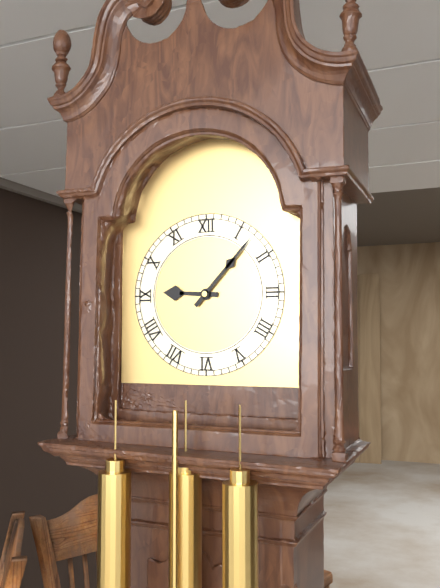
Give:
9h07
